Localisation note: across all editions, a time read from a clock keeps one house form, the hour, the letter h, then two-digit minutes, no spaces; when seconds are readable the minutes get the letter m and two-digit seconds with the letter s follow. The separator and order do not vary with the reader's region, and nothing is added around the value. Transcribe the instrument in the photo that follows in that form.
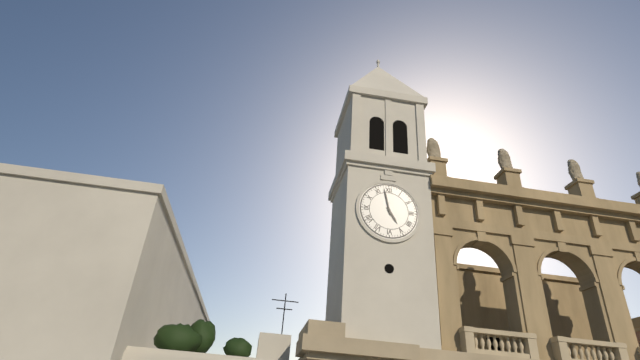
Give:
4h58
